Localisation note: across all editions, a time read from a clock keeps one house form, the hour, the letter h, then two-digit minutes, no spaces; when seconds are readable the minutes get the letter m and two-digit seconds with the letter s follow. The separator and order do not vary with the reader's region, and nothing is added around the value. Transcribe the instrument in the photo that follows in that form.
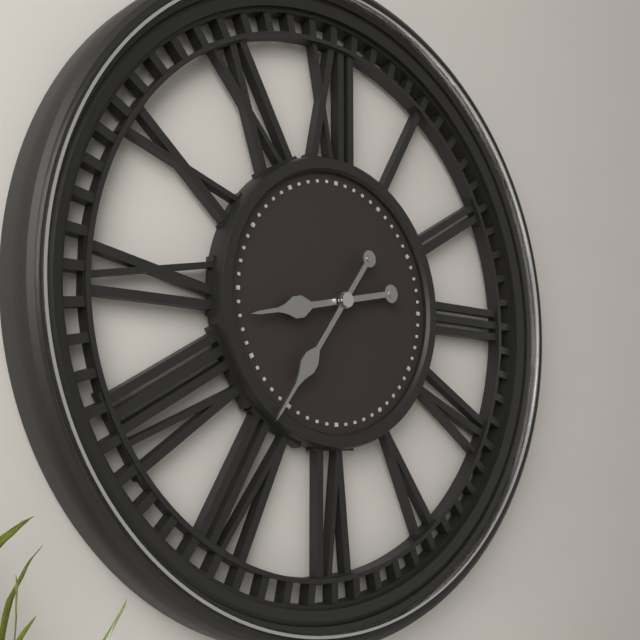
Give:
8h36
